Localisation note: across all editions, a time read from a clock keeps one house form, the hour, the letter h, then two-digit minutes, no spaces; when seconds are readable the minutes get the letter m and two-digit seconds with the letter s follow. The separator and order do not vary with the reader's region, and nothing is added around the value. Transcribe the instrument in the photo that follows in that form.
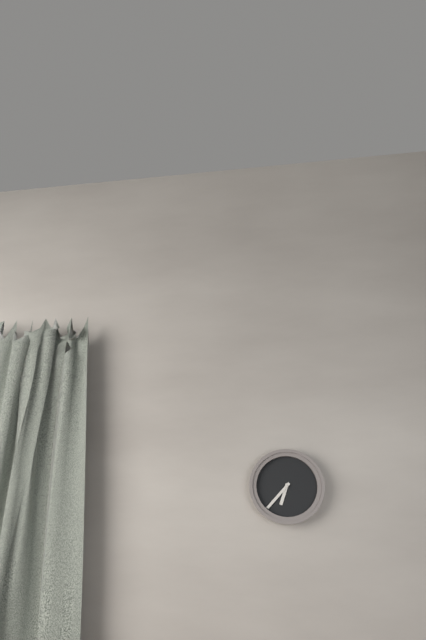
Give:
6h37
